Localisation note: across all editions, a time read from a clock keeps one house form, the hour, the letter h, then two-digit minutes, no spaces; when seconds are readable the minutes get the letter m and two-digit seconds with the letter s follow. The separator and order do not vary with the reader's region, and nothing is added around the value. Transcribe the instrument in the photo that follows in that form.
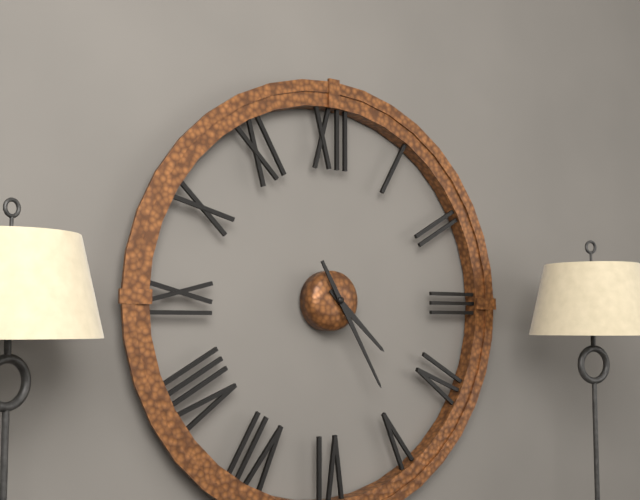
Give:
4h25
